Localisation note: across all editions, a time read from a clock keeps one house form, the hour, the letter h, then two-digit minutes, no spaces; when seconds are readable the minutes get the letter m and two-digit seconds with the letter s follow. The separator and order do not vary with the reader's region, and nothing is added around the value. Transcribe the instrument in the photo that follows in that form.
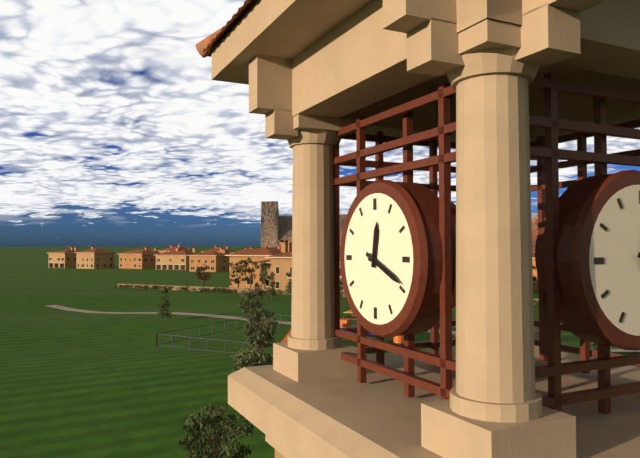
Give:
12h19
